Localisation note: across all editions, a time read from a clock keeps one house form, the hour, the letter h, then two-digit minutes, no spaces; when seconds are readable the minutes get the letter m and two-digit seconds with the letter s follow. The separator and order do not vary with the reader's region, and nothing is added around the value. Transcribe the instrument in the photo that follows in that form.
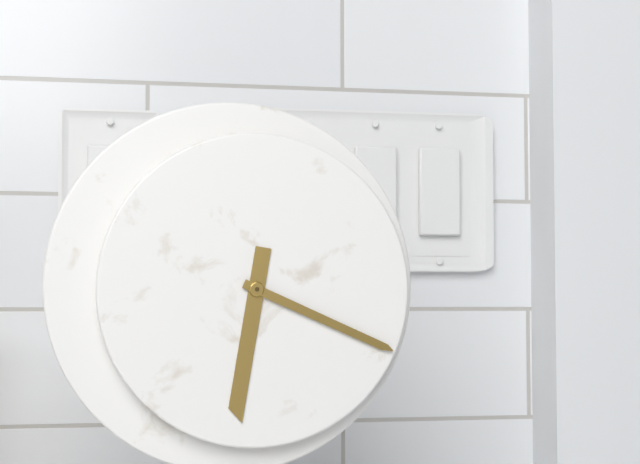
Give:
6h19
